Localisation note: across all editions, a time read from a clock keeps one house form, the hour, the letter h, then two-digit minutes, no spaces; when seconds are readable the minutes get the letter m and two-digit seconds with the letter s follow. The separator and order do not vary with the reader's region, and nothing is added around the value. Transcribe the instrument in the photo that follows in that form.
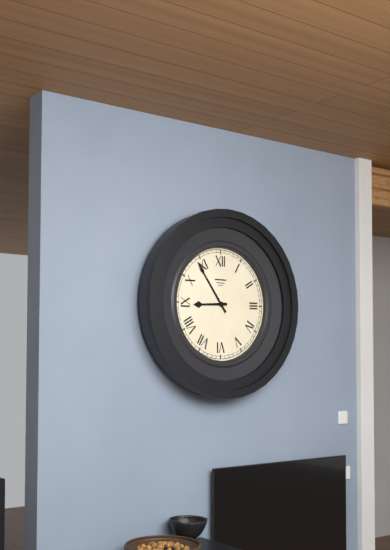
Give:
8h54
